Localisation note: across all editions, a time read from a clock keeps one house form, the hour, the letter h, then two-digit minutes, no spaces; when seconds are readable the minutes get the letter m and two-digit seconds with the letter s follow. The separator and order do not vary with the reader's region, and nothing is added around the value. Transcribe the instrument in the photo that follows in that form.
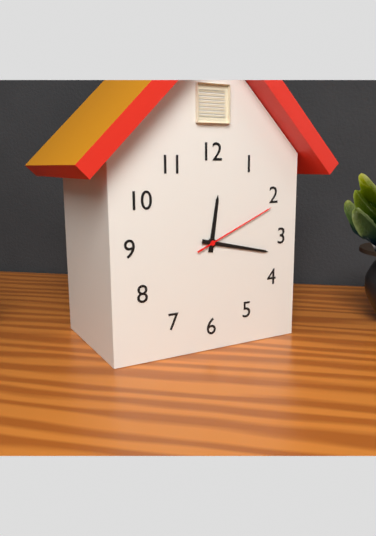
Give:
12h17m11s
